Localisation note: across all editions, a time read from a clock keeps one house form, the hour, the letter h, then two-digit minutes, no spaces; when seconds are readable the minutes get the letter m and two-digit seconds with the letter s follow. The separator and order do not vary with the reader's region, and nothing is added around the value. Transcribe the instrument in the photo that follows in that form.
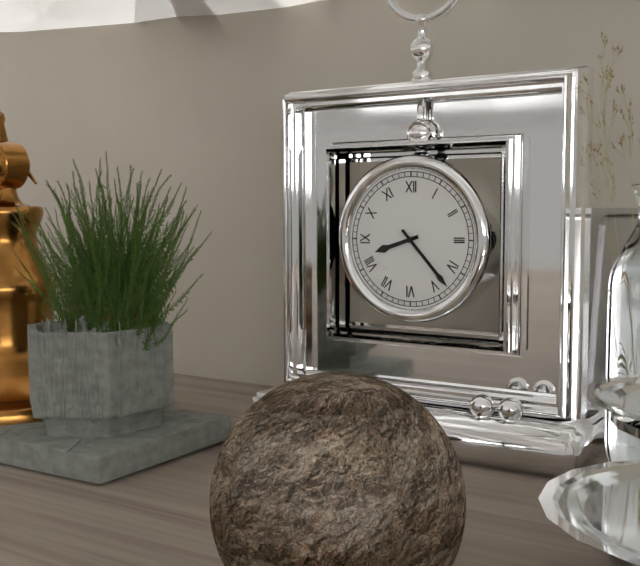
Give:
8h23
